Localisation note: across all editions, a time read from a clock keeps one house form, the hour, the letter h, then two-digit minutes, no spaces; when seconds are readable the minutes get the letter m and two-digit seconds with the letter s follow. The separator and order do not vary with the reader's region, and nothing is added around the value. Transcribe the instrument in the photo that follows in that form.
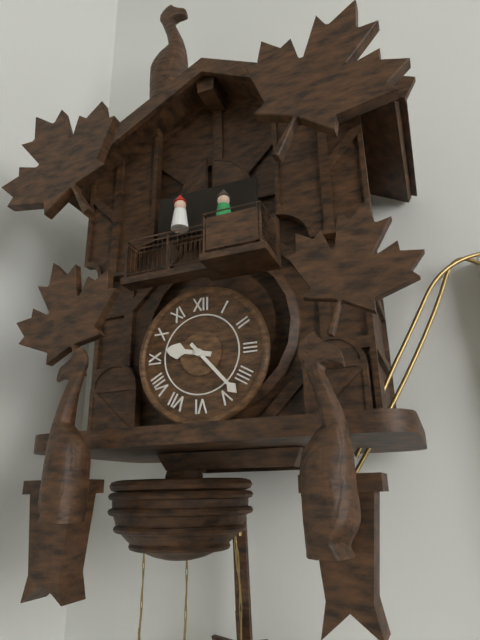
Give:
9h23
